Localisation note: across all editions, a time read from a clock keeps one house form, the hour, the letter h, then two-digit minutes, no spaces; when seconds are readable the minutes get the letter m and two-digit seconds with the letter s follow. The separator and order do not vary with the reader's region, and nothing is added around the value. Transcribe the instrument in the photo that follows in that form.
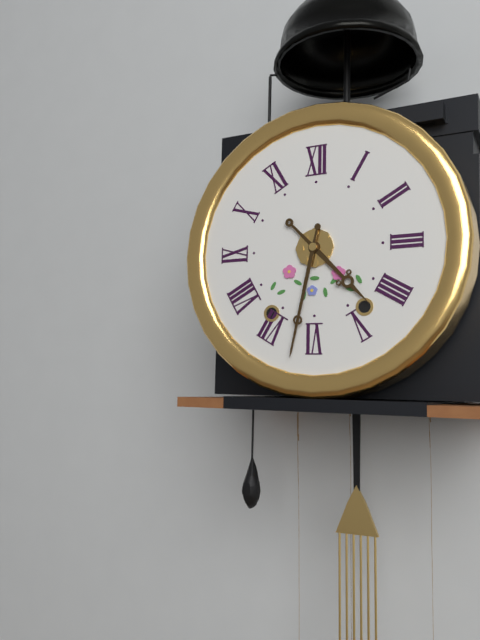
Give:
4h32
